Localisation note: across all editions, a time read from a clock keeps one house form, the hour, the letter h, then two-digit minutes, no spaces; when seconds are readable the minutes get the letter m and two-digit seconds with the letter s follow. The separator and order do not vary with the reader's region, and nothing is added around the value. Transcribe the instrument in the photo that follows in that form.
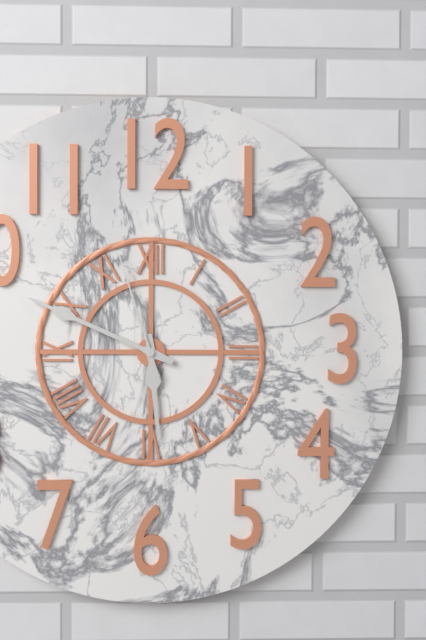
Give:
5h49m57s
